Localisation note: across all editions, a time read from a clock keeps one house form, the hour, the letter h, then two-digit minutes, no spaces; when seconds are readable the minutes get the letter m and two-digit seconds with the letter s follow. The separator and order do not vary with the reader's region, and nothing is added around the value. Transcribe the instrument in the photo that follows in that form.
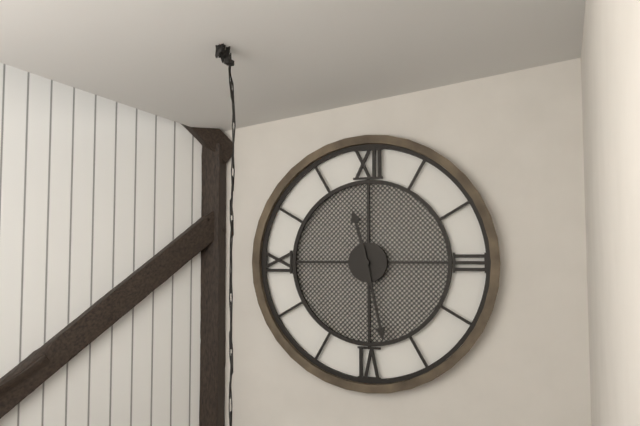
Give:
11h28
